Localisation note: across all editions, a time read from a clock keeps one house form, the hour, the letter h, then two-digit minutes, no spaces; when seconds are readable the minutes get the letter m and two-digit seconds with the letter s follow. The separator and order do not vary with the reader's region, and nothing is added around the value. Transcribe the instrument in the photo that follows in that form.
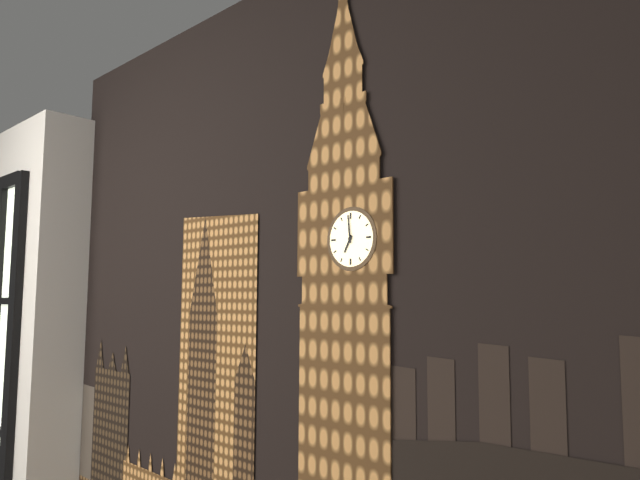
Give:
6h59
